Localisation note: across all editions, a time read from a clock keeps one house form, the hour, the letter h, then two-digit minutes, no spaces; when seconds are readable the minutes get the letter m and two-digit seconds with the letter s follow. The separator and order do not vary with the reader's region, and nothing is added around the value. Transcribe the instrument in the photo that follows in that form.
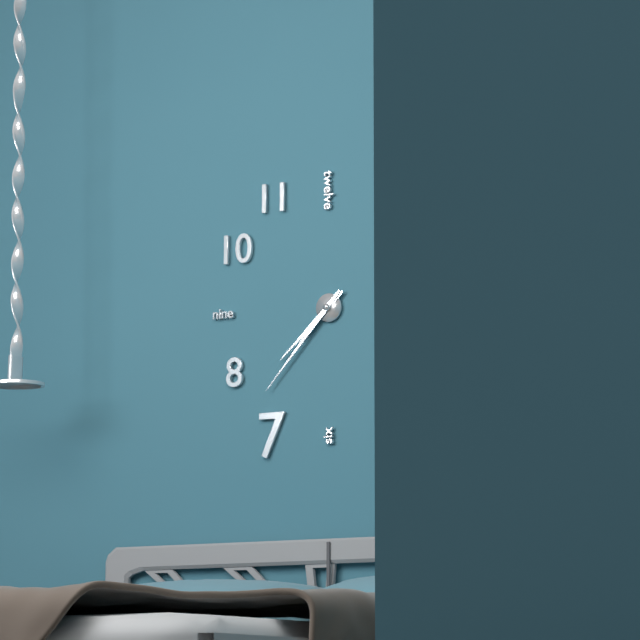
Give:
7h37
